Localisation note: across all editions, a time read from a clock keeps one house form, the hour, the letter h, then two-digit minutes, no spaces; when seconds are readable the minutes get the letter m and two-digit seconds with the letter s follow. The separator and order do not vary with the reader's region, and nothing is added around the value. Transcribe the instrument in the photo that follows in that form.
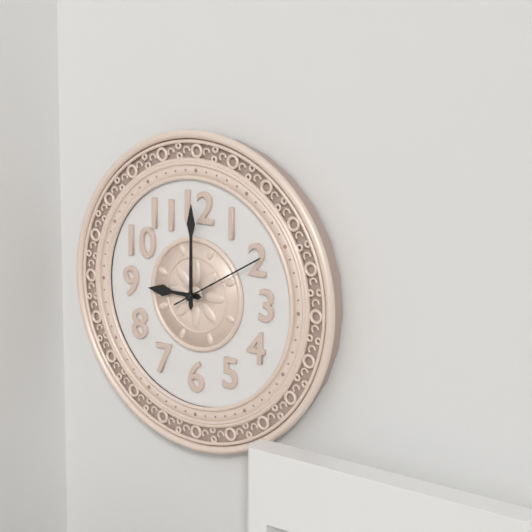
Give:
9h00m10s
